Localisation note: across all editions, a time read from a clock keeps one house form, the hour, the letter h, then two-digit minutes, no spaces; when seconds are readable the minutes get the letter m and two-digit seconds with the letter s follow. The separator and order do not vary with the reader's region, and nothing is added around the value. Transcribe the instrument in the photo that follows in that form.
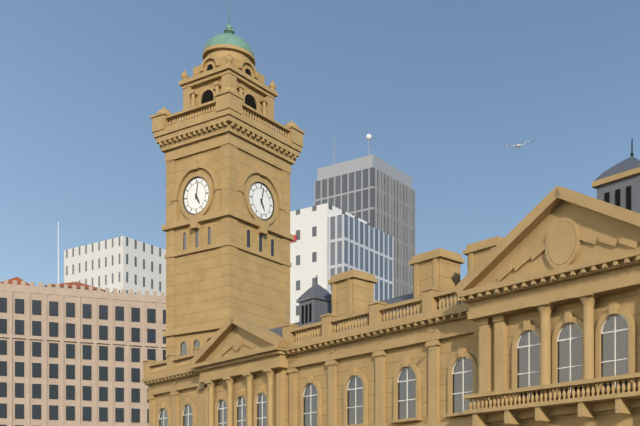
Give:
5h02
